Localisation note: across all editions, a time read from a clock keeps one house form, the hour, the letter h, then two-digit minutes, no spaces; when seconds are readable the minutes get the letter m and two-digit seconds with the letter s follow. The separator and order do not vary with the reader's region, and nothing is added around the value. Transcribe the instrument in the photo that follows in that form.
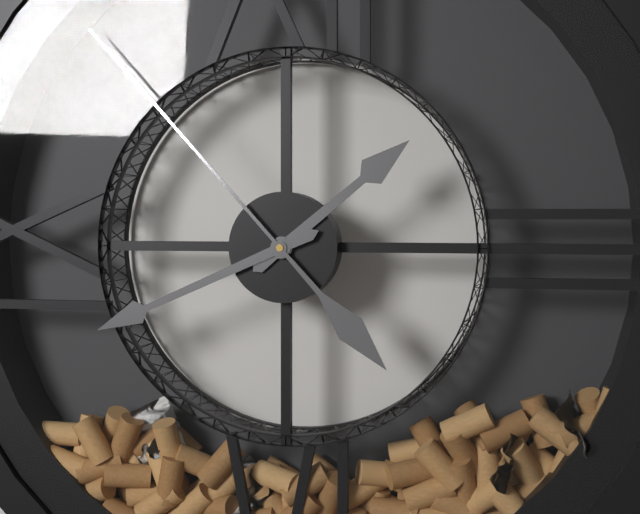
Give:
1h41m53s
